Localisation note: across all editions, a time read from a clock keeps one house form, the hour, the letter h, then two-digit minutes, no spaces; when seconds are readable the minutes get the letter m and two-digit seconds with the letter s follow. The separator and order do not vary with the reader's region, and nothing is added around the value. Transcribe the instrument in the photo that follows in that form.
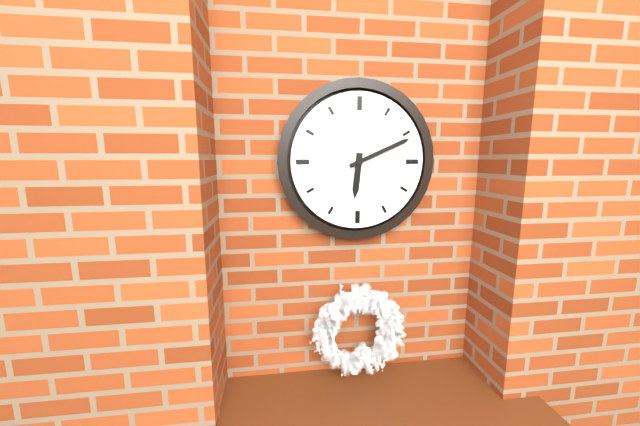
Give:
6h11
